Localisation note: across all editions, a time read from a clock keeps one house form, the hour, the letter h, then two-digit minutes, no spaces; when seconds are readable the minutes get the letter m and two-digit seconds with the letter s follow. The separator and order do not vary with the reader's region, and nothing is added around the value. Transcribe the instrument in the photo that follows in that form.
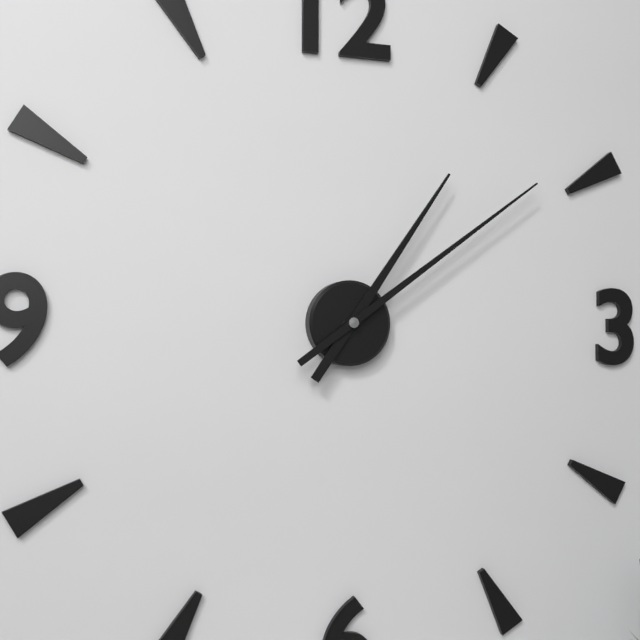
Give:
1h09
